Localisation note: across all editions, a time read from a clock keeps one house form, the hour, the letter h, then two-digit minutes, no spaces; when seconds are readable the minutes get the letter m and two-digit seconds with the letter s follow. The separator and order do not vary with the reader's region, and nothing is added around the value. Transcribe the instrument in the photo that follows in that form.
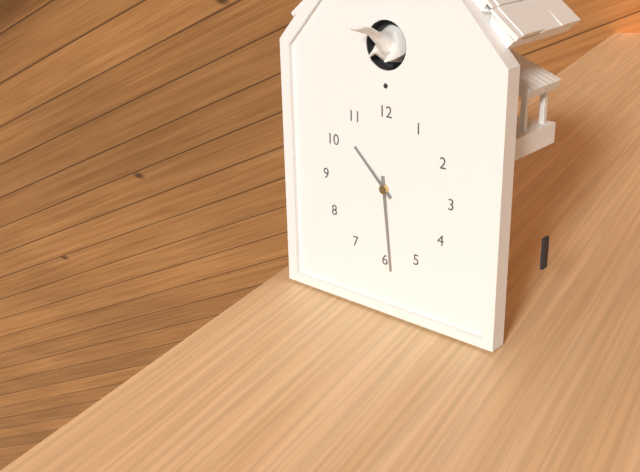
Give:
10h29
